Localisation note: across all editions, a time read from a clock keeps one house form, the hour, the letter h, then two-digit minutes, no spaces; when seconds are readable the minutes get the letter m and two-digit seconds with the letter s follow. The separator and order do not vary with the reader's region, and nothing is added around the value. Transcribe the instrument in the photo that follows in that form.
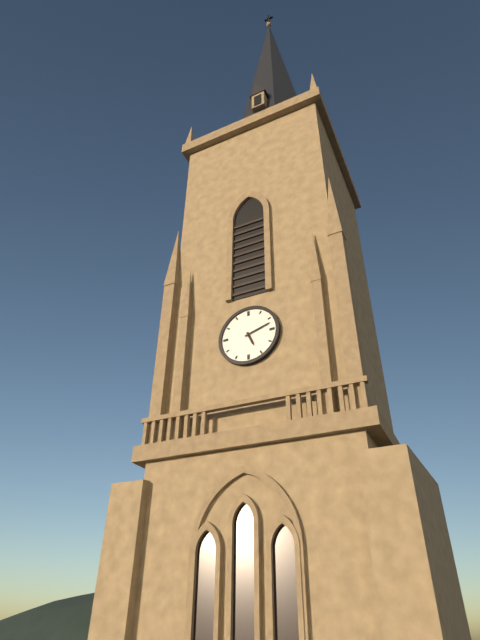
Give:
5h12
